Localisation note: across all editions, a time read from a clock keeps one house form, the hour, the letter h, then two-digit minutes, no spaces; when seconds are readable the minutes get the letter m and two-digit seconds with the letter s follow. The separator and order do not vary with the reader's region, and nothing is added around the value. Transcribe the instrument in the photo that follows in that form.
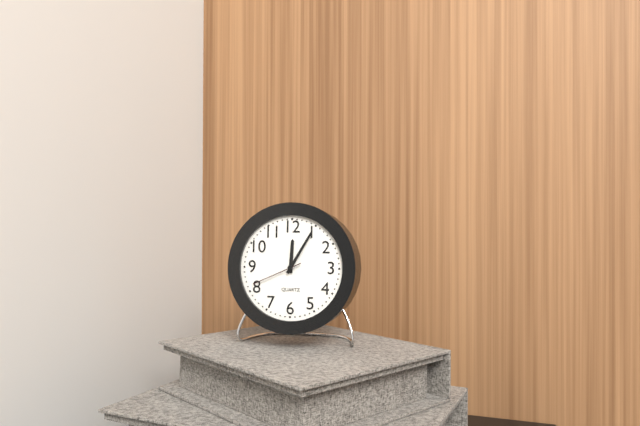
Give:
12h05m41s
